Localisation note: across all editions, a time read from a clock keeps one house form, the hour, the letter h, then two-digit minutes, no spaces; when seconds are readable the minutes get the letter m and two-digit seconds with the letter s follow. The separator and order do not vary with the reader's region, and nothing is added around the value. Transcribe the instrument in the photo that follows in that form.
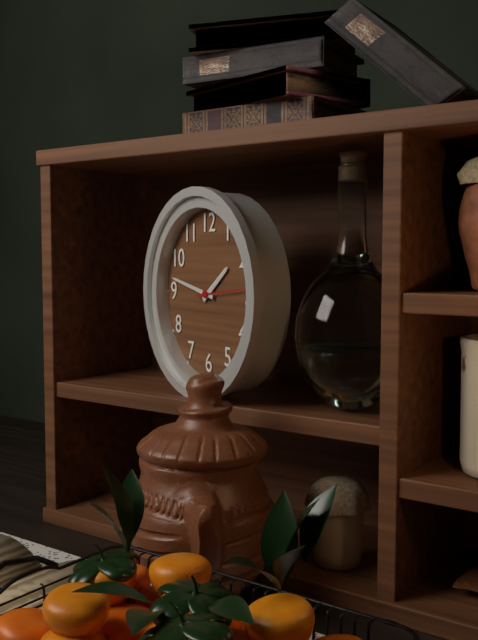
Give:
1h47
